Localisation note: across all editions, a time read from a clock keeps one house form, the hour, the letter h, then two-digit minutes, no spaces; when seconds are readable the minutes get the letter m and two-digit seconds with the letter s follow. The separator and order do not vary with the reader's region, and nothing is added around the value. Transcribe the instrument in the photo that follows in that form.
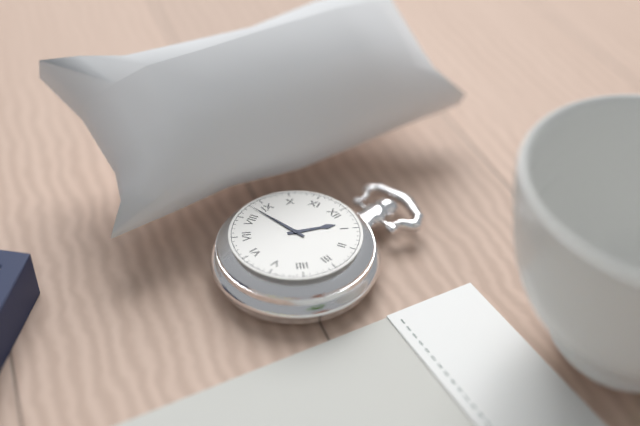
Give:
12h43
